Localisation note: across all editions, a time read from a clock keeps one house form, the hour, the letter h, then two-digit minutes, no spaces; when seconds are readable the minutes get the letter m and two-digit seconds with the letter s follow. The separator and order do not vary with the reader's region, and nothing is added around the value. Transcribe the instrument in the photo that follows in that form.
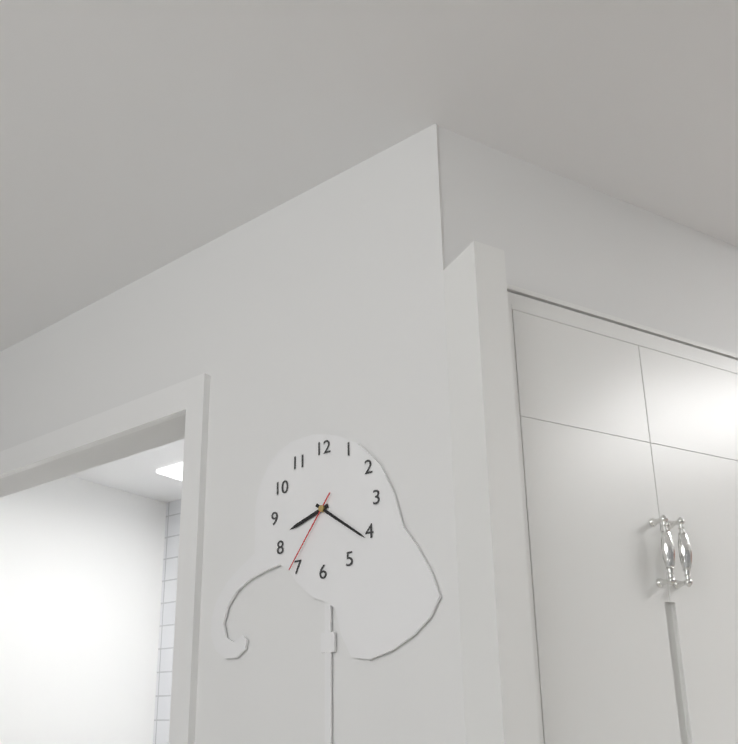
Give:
8h21m36s
